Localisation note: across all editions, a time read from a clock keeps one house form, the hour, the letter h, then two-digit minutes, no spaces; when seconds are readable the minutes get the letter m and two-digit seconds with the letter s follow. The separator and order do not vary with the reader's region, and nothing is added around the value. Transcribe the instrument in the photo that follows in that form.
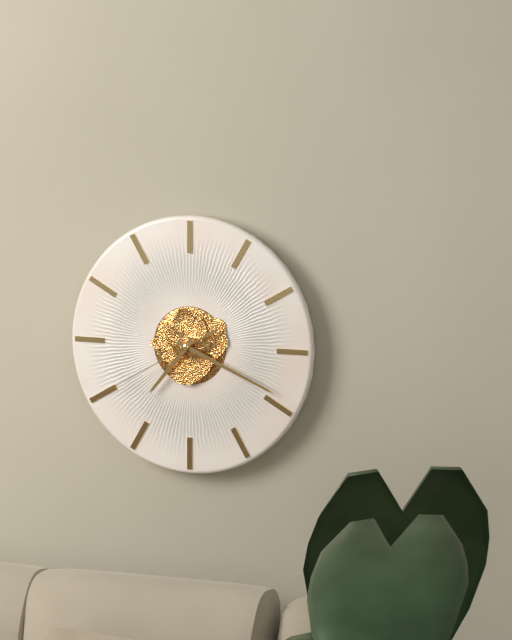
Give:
7h19m40s
